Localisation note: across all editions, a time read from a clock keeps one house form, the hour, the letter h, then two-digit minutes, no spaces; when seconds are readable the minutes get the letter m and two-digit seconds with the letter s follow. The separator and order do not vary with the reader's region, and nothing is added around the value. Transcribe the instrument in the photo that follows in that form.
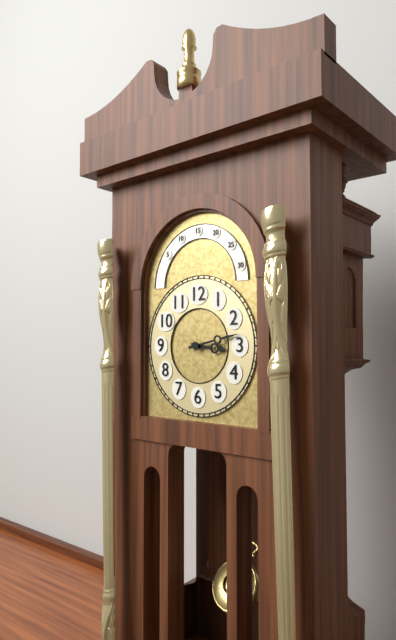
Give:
3h13
